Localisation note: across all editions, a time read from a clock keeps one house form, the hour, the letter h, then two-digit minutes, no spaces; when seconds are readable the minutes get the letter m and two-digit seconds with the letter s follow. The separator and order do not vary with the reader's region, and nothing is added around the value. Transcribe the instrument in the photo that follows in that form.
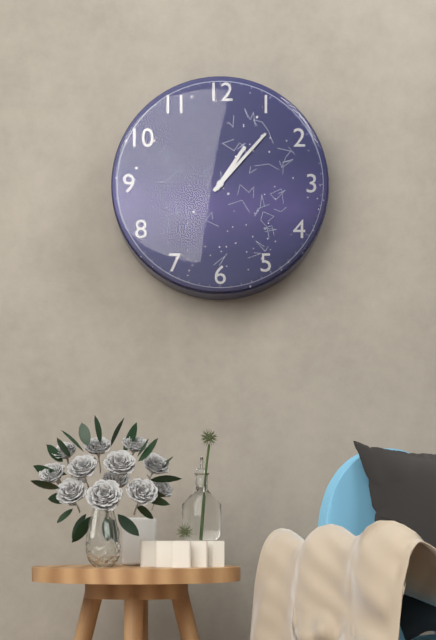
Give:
1h07
